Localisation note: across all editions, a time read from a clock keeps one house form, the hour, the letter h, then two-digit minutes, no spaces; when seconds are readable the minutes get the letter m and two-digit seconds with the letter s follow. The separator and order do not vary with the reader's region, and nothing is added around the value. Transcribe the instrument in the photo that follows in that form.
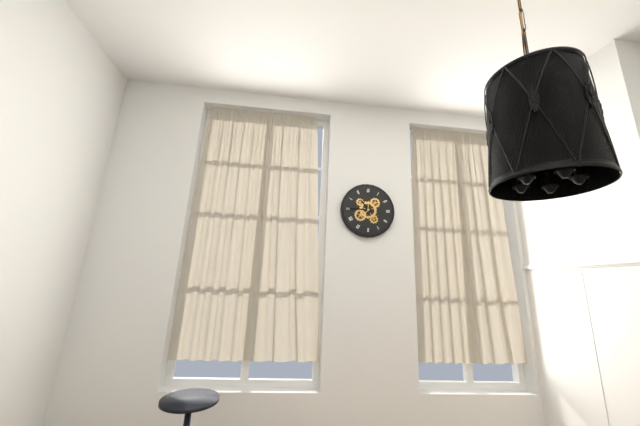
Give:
10h45
